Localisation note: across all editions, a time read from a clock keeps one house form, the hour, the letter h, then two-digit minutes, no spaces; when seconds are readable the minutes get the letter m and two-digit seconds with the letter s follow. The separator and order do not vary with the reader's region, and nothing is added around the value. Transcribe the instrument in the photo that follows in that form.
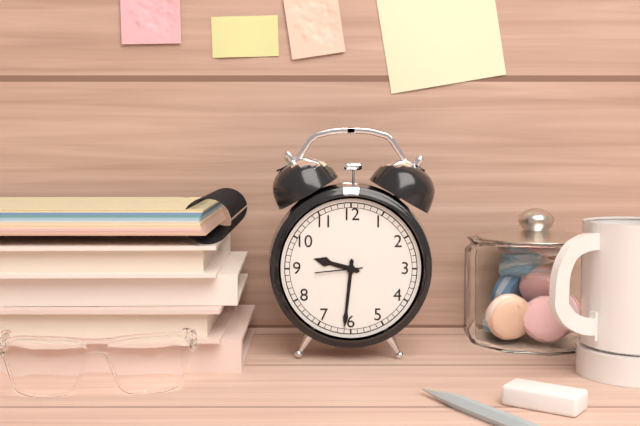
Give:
9h31
